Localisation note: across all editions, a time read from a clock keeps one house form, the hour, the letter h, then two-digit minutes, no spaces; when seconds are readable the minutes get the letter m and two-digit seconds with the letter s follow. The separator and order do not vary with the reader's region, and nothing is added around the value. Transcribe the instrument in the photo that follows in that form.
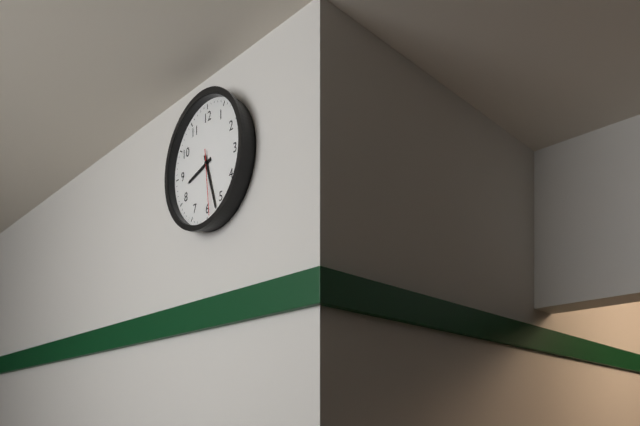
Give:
8h27m29s
